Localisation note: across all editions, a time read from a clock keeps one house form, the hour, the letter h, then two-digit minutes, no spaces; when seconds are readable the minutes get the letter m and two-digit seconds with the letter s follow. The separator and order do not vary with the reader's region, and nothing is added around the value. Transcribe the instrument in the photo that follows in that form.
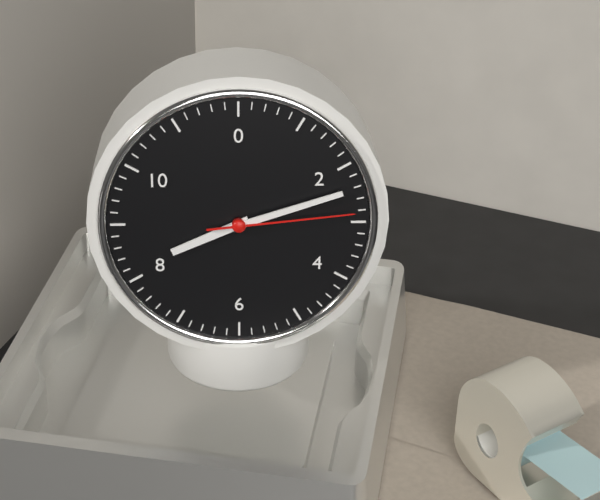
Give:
8h12m14s
